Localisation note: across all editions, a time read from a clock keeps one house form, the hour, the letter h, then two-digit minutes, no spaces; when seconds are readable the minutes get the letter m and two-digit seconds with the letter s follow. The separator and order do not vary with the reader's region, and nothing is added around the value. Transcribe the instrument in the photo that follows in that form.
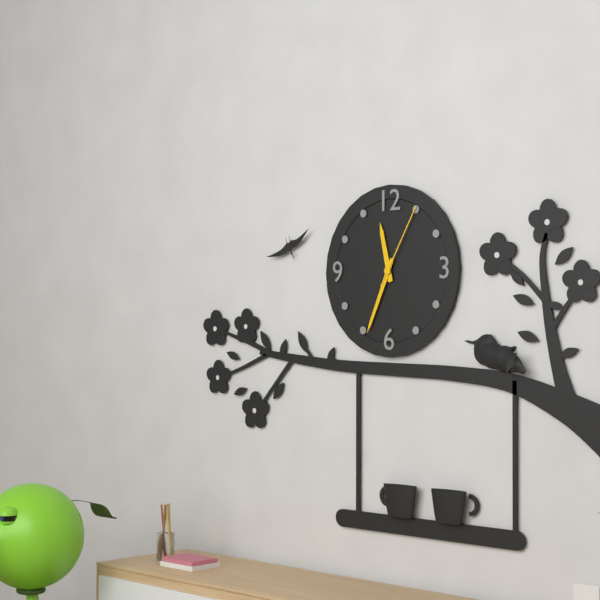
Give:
11h34m05s
